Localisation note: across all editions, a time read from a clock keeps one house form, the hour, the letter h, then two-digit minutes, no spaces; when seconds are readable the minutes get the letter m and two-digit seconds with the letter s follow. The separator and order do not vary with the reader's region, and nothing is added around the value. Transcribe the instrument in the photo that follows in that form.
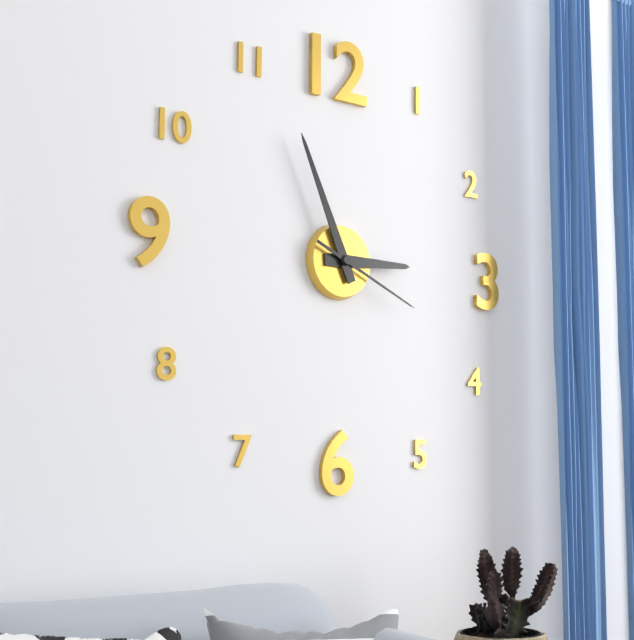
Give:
2h56m19s
